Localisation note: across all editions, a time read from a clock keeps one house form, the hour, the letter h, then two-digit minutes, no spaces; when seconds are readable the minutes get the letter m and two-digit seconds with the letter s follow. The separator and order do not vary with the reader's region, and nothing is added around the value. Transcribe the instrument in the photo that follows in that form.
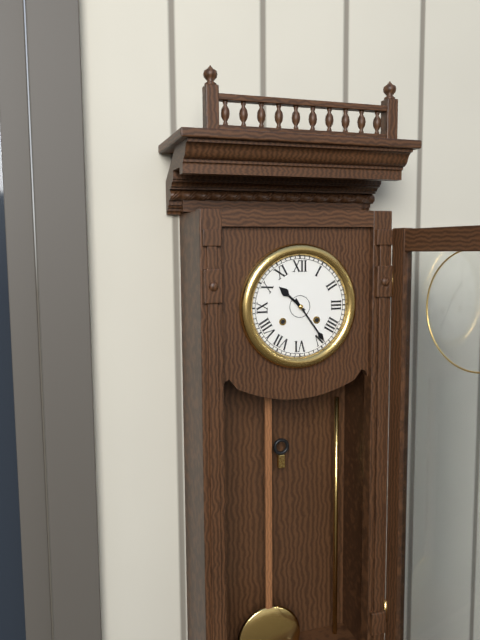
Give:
10h24
